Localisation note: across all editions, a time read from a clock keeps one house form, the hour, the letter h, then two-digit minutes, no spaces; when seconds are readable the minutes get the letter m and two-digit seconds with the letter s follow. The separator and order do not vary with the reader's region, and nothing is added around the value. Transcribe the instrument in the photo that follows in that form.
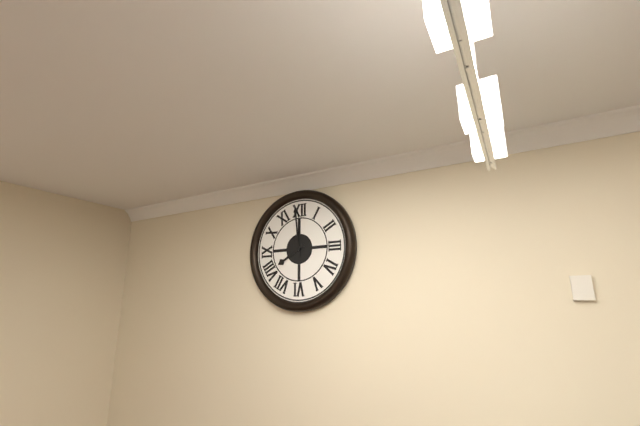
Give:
7h59
